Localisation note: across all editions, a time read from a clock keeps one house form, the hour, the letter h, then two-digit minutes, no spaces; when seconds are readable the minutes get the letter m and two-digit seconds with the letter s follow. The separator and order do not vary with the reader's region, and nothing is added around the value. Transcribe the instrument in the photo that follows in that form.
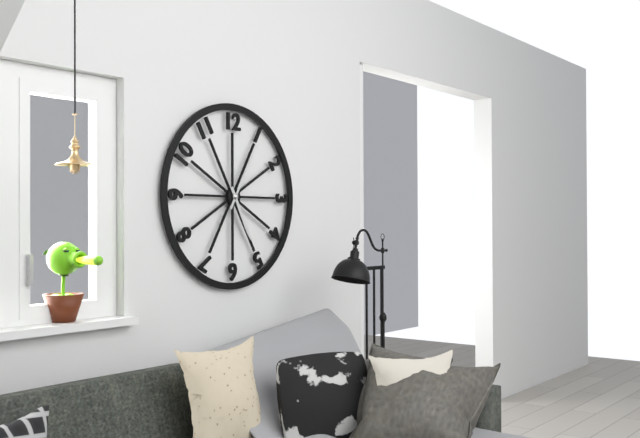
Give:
5h05
